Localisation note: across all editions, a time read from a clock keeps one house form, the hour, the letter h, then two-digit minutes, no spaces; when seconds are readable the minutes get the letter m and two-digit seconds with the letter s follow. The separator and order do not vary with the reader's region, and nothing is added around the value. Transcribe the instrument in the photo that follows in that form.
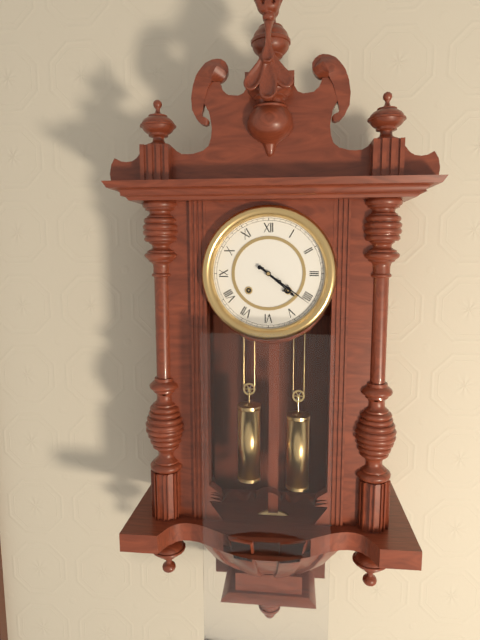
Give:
4h21
